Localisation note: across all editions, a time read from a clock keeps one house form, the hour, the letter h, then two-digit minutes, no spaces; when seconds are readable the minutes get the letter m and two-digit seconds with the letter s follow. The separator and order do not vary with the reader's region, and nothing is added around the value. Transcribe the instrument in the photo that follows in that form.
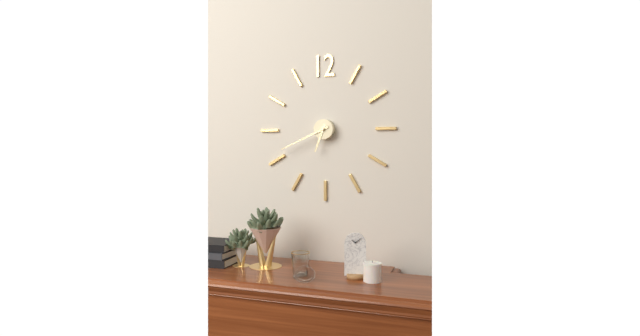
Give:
6h41
